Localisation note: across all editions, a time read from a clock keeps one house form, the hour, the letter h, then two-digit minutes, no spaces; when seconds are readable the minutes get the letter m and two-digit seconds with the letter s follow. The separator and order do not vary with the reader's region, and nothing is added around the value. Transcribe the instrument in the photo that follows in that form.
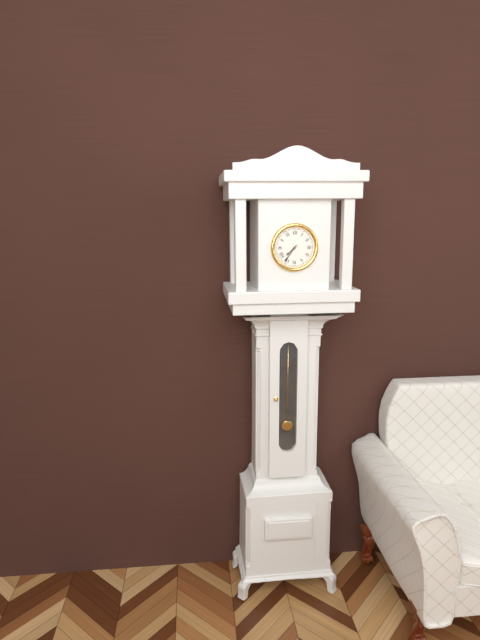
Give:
7h36
